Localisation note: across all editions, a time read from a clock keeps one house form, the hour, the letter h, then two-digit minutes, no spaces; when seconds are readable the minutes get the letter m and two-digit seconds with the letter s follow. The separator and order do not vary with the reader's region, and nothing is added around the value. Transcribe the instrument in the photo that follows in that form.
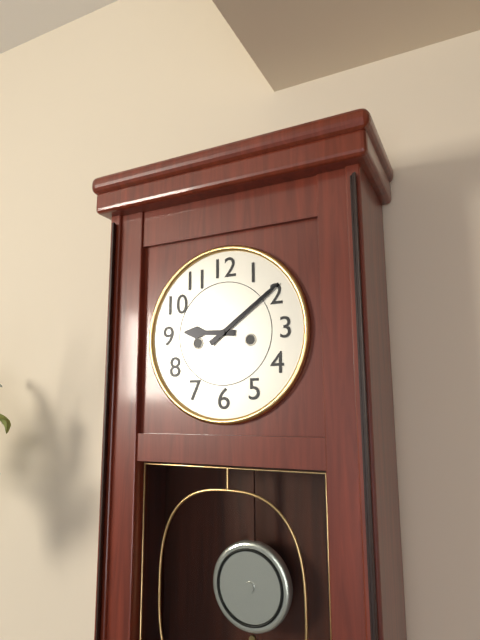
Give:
9h09
